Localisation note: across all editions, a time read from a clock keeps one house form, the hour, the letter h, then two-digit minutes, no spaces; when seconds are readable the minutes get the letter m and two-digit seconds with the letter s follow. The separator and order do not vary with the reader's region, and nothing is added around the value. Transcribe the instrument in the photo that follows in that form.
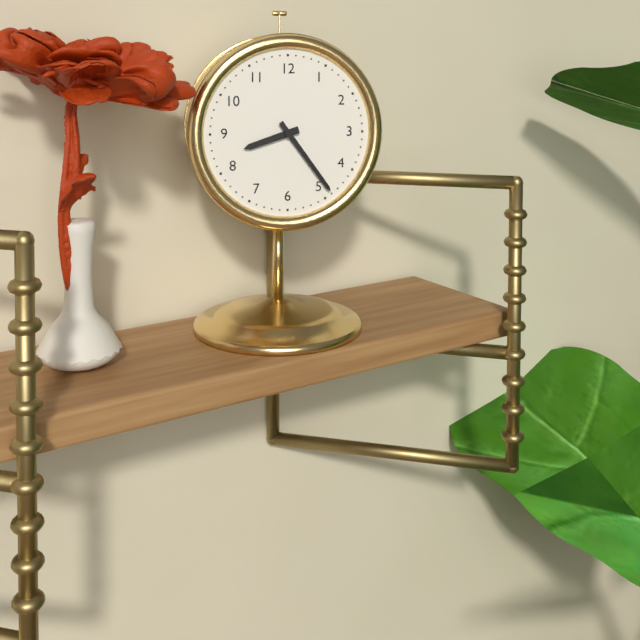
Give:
8h24
